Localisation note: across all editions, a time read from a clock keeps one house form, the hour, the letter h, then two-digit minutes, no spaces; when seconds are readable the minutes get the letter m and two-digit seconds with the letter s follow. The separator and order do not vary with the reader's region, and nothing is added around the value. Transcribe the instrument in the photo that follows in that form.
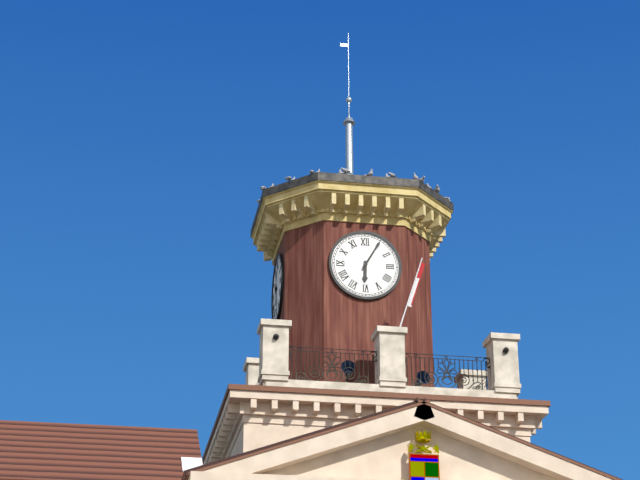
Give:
6h05
